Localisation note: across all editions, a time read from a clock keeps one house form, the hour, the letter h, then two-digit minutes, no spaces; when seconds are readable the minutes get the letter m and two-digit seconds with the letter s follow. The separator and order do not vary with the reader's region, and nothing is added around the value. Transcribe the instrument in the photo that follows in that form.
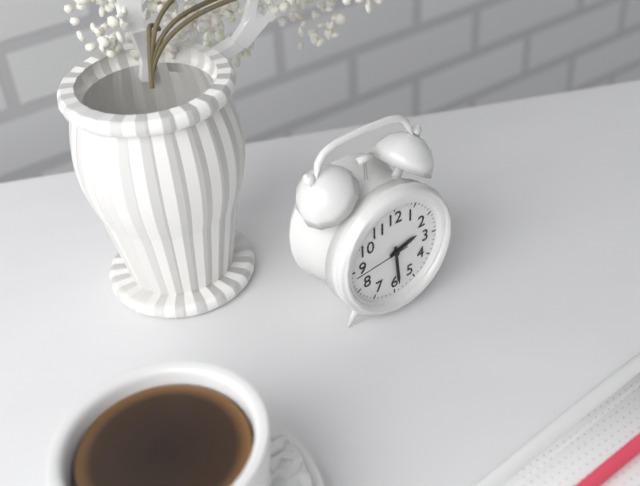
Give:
2h29m44s
